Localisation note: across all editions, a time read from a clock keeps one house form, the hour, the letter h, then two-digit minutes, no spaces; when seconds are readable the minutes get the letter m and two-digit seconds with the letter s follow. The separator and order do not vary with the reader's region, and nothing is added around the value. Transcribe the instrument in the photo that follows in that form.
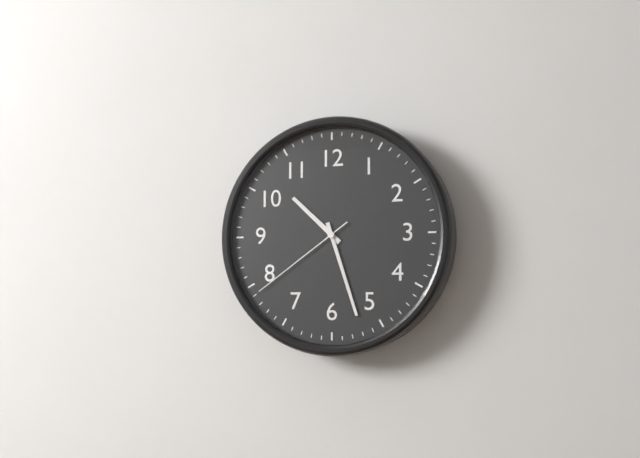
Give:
10h27m39s
